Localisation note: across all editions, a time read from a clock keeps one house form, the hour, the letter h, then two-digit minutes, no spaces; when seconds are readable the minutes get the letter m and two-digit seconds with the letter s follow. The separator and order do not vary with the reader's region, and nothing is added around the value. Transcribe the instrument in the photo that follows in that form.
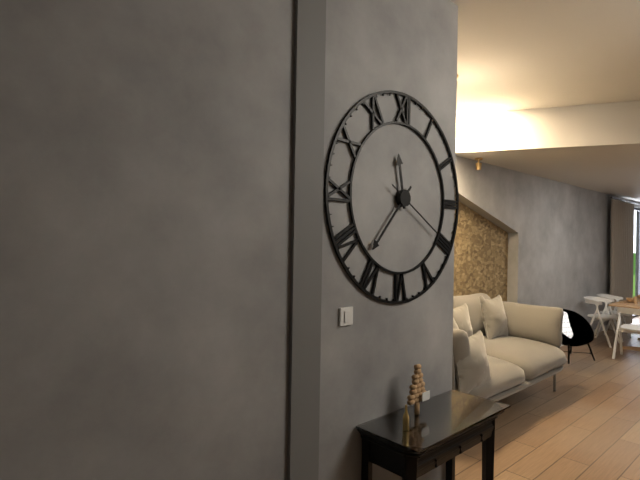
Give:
11h37m20s
